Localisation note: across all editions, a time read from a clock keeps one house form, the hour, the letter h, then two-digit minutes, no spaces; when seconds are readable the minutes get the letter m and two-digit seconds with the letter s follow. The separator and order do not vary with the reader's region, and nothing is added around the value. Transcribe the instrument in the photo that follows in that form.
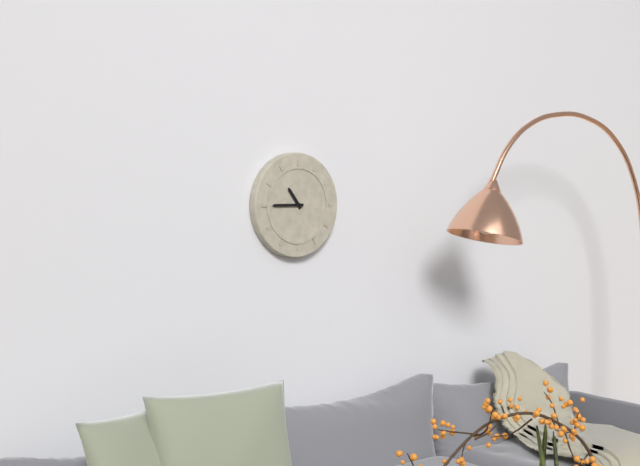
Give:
10h45
